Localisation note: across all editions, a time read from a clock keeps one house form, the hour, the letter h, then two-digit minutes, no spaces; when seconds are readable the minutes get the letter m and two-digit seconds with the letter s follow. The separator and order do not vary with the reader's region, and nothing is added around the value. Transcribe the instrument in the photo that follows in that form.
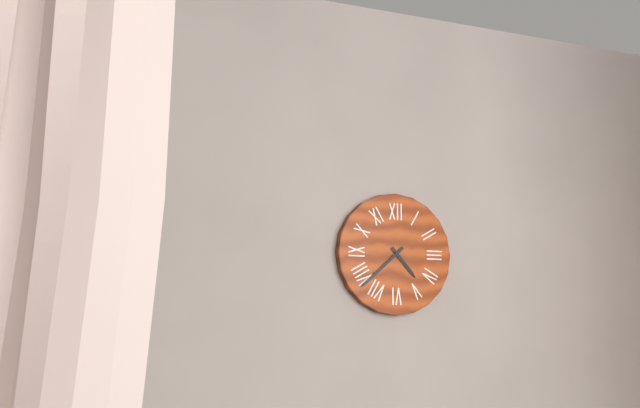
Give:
4h38
